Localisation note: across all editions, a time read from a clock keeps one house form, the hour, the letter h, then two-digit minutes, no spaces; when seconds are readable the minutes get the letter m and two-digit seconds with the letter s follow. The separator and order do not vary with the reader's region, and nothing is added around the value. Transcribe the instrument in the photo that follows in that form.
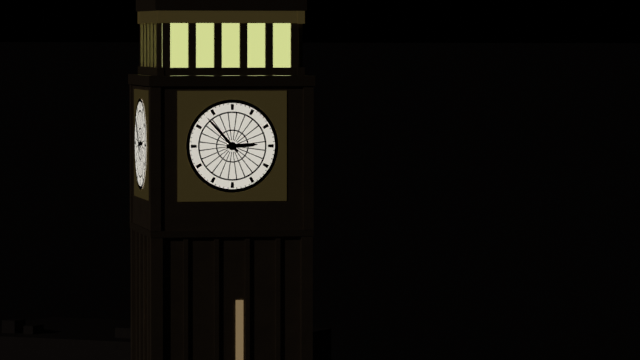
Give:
2h53
